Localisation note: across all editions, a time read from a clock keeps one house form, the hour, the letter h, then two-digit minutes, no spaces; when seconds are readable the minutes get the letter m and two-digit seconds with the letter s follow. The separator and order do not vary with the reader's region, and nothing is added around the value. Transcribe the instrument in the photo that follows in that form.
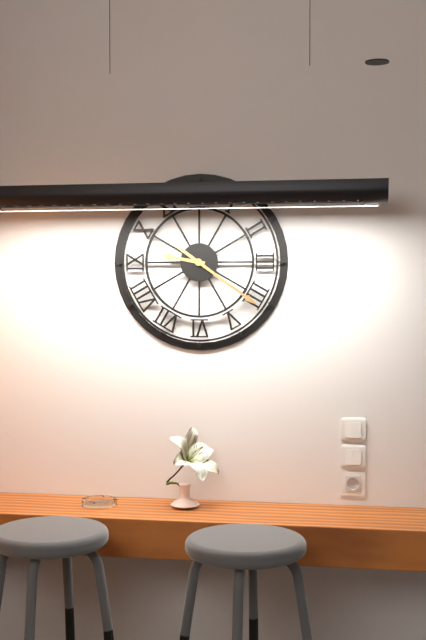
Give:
9h21
